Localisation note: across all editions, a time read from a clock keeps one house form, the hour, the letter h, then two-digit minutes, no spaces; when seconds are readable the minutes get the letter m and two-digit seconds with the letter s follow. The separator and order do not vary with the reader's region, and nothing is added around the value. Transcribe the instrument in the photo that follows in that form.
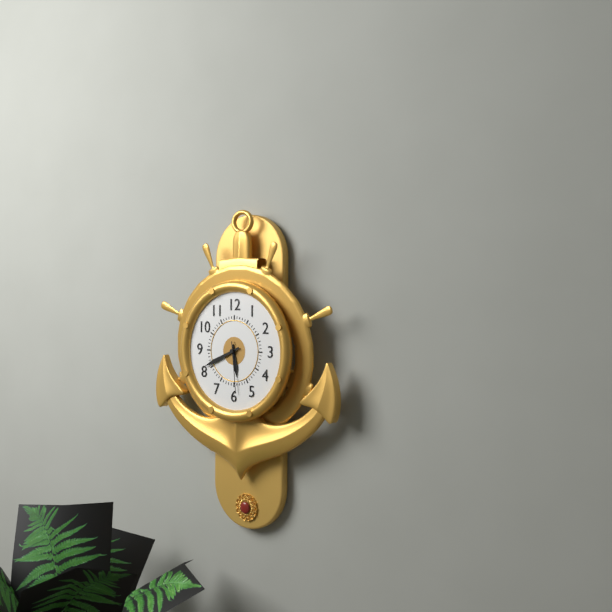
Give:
5h41m29s
